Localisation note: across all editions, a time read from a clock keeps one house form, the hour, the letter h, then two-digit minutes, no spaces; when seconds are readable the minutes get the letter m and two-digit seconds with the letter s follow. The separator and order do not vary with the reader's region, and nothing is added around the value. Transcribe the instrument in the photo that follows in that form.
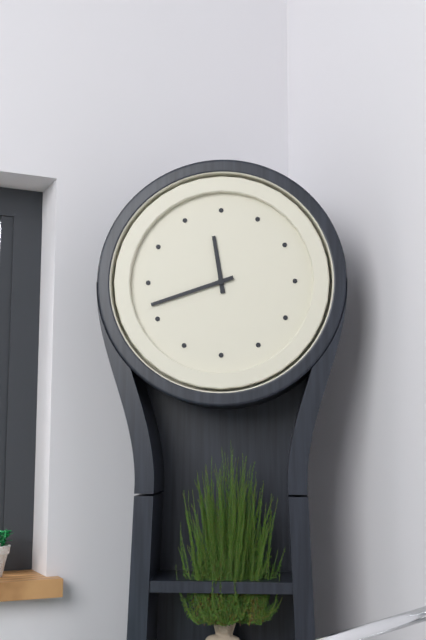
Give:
11h42
